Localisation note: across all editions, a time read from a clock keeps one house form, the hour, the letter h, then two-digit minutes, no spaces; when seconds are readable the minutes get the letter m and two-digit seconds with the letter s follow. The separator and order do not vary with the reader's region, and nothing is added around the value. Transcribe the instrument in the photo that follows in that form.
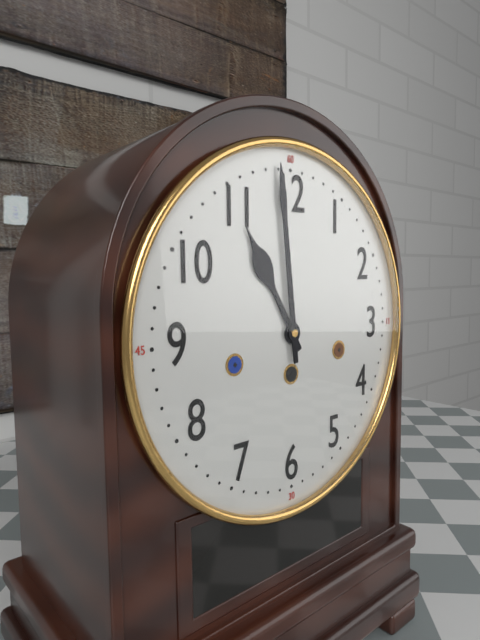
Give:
10h59
